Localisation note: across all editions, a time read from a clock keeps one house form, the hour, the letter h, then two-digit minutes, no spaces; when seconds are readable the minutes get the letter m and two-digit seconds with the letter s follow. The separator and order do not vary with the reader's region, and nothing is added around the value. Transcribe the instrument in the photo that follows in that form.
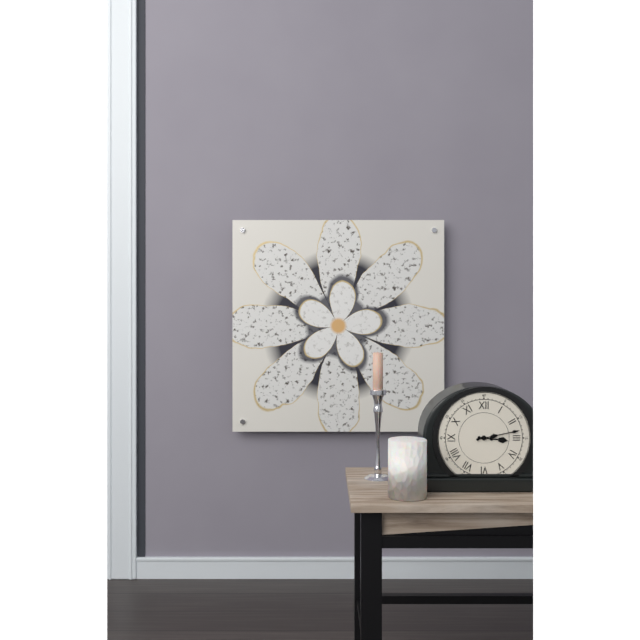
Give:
3h13
